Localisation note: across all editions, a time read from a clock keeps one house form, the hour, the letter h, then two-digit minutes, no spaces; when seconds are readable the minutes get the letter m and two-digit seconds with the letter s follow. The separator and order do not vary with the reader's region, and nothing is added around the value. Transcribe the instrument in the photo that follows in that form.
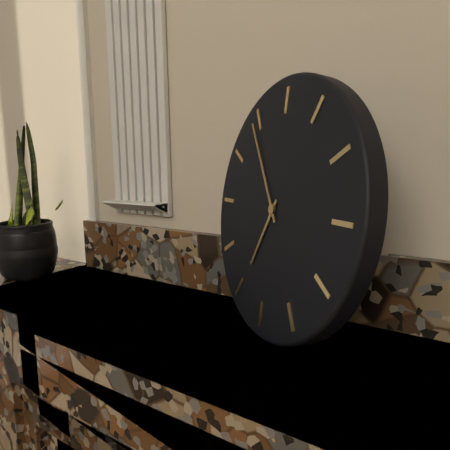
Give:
6h54
